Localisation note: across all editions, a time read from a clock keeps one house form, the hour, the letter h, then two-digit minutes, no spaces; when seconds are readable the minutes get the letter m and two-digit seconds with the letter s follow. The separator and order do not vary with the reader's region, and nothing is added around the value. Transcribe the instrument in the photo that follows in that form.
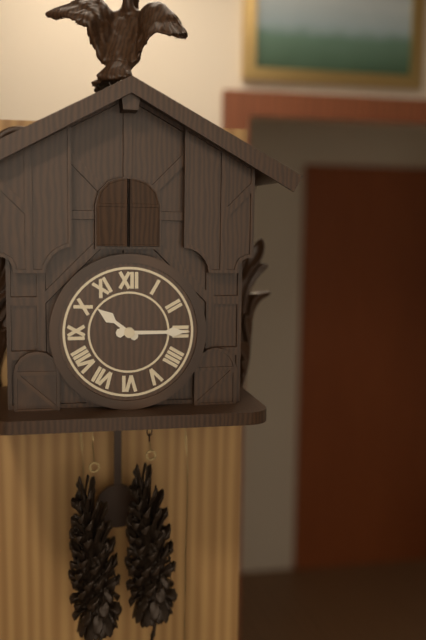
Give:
10h15
